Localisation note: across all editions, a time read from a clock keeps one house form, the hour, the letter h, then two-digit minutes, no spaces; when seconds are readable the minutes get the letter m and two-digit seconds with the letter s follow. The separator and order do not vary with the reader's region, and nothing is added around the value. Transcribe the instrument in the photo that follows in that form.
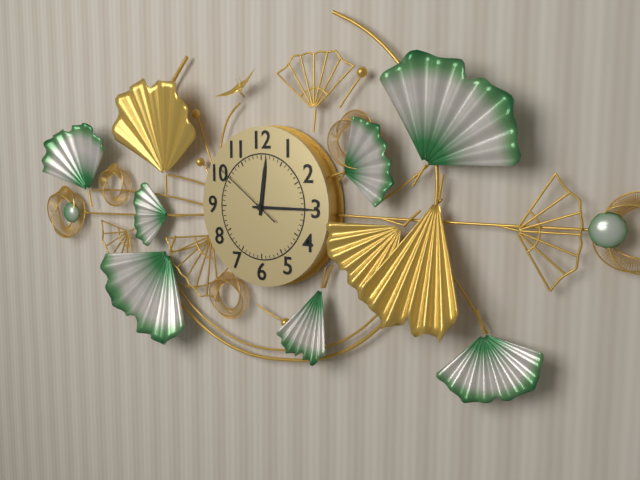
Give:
12h15m51s
